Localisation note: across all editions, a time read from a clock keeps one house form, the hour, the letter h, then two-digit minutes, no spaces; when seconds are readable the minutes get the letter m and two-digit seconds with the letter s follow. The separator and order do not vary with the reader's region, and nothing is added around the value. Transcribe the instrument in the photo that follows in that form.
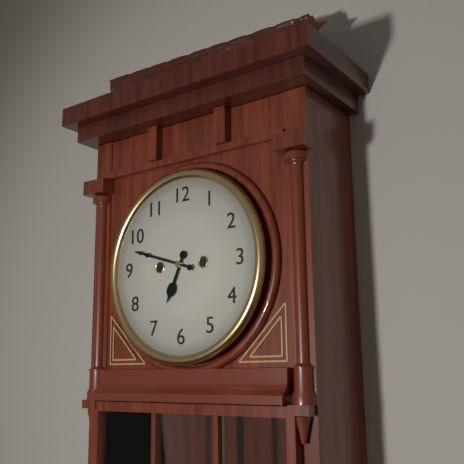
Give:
6h48
